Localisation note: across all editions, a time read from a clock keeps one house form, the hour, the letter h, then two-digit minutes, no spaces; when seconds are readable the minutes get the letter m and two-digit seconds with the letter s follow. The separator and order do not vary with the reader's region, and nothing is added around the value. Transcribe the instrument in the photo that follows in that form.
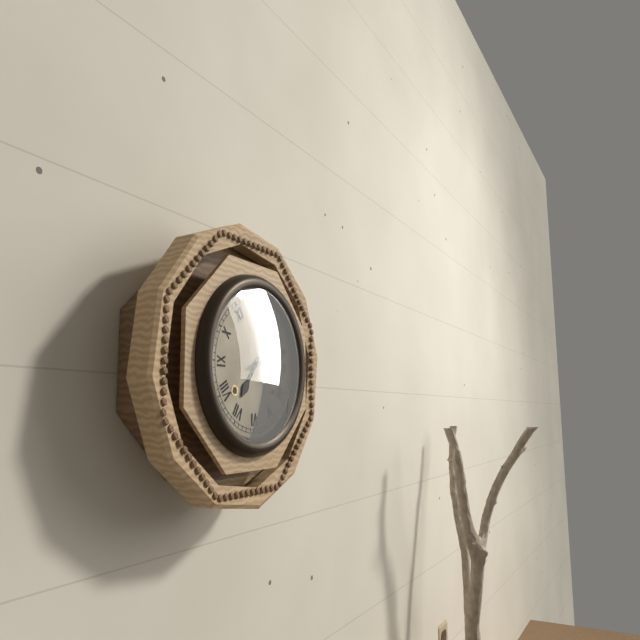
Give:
7h12
